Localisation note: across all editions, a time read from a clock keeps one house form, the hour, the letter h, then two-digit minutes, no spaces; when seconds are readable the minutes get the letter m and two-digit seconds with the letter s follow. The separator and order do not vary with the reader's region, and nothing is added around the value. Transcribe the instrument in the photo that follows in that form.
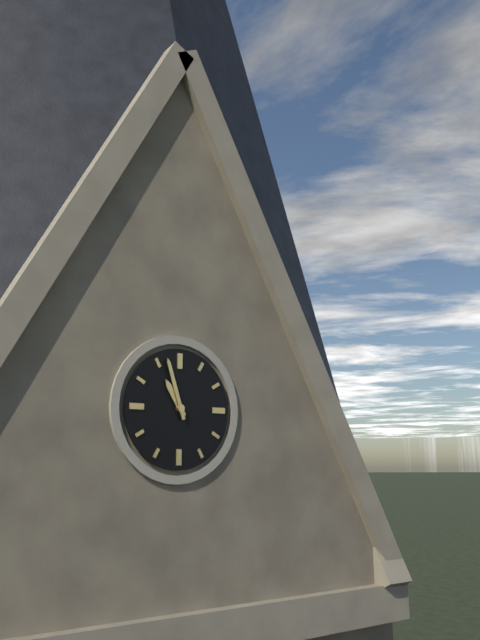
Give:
10h57
